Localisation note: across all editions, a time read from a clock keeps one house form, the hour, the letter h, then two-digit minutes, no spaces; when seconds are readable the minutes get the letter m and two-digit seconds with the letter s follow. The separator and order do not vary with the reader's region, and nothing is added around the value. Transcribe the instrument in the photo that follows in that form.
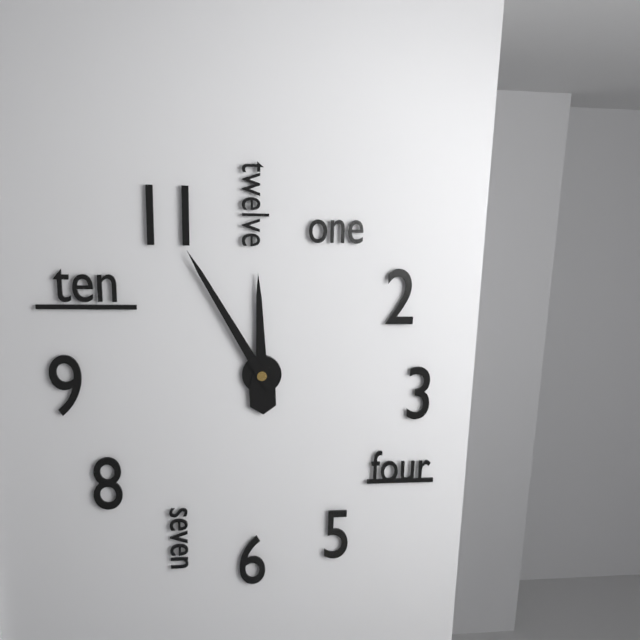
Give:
11h55
